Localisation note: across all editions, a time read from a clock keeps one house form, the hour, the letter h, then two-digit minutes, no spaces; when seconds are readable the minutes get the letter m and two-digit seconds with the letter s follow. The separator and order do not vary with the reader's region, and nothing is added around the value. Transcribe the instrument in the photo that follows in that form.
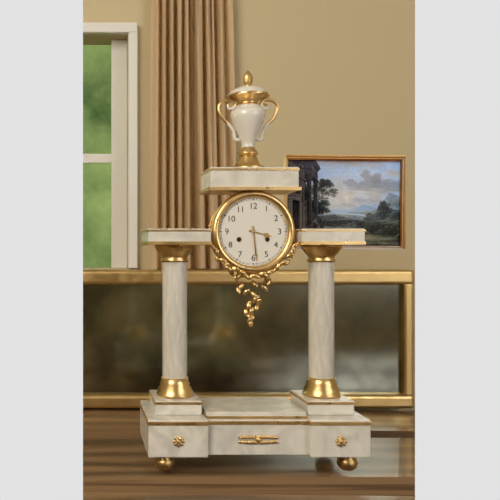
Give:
3h29
